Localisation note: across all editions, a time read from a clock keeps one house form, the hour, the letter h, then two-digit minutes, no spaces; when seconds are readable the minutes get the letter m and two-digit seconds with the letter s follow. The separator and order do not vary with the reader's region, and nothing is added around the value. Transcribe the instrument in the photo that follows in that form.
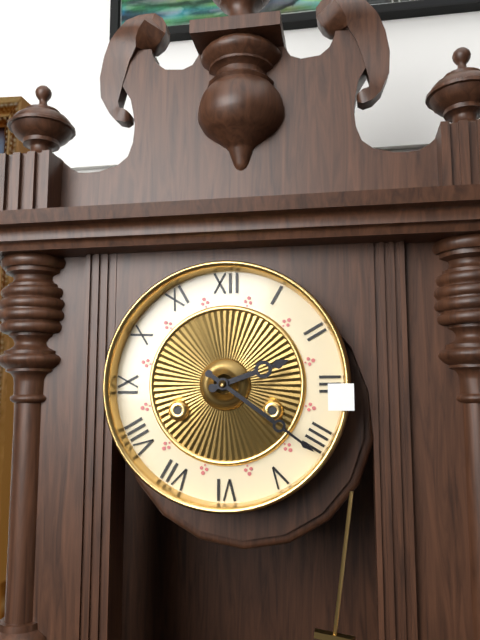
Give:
2h21
